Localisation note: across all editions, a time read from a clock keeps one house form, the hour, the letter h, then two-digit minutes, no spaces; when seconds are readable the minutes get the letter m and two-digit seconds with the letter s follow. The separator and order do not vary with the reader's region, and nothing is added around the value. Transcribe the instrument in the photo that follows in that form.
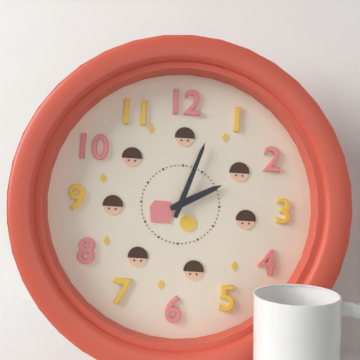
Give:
2h03
